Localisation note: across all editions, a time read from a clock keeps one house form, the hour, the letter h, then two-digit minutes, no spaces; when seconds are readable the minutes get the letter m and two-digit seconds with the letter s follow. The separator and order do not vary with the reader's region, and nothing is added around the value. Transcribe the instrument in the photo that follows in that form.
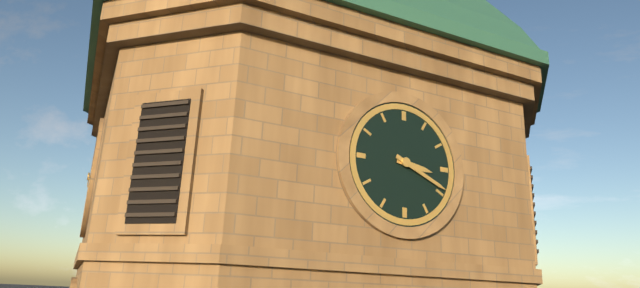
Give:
3h19
